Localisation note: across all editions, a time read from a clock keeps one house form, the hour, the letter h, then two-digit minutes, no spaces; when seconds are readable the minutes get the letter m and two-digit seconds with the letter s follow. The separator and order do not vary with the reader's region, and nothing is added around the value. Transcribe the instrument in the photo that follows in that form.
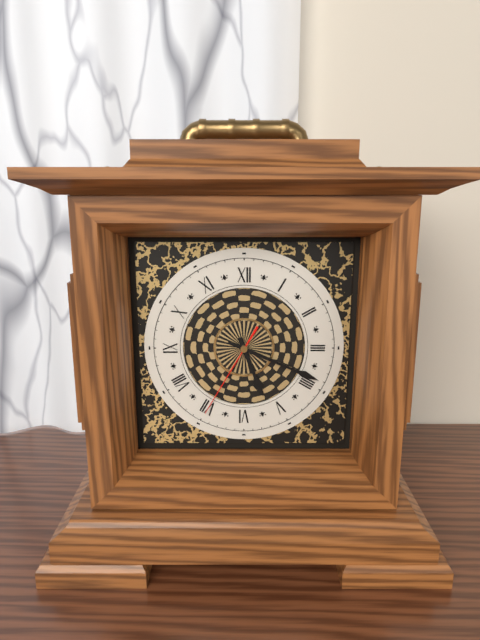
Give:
5h19m35s
